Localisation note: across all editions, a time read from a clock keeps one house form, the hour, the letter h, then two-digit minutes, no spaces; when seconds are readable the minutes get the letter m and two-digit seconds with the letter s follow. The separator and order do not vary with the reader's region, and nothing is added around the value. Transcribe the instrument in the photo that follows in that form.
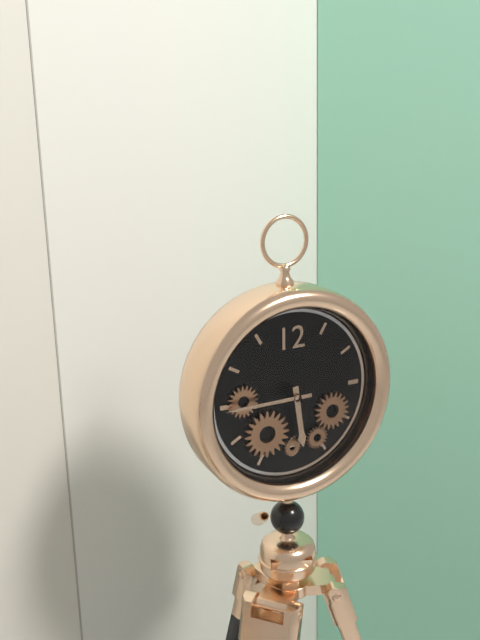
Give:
5h45
